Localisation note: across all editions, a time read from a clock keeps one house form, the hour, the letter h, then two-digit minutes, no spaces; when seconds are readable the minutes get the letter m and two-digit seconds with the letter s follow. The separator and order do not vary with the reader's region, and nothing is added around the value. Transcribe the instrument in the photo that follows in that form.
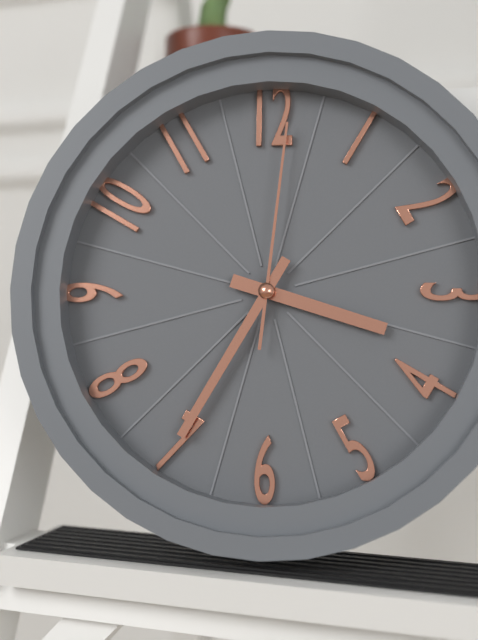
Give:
3h35m01s
